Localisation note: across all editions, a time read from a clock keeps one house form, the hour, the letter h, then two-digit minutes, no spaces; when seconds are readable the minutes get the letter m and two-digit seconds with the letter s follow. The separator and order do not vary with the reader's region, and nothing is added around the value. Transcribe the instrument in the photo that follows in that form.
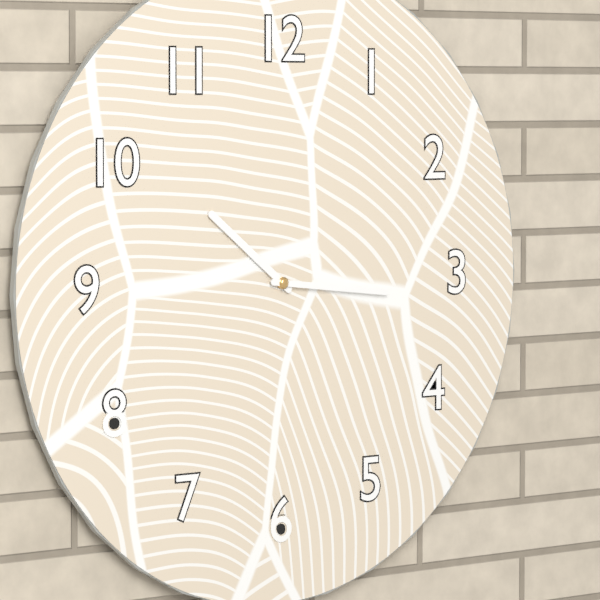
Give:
10h16
